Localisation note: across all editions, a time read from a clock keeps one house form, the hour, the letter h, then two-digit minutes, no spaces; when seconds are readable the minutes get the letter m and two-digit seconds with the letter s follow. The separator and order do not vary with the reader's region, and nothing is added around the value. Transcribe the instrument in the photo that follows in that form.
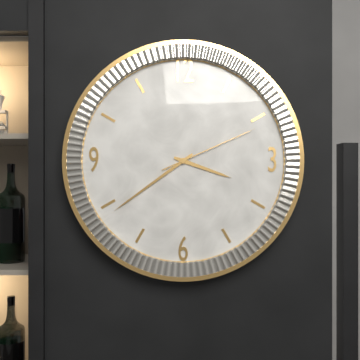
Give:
3h39m11s
